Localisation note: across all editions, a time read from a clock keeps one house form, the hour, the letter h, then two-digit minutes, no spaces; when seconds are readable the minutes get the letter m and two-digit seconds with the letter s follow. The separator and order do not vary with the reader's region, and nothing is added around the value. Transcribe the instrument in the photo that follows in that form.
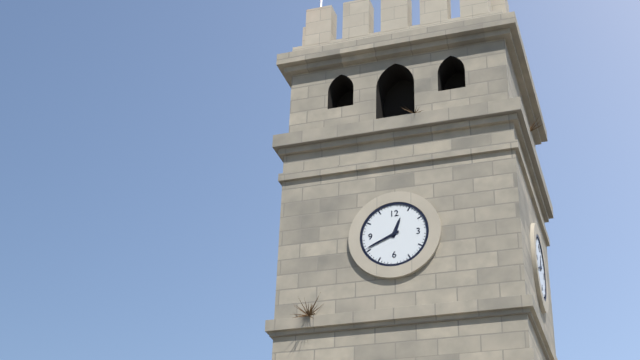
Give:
12h41
